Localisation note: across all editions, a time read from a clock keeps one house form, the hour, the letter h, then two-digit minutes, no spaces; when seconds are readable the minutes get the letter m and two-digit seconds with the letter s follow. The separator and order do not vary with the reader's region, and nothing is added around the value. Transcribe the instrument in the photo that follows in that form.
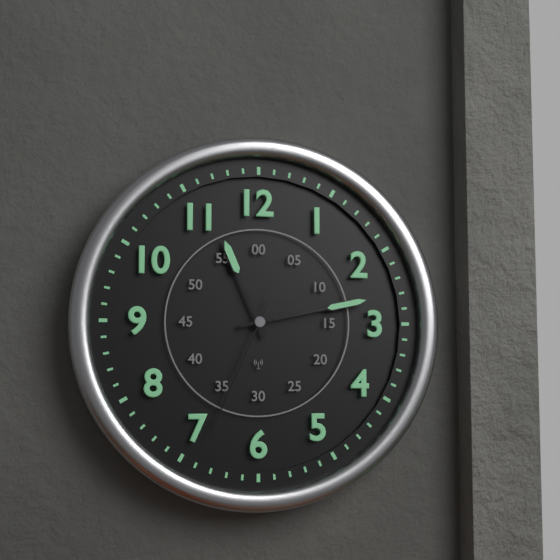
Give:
11h13m34s
